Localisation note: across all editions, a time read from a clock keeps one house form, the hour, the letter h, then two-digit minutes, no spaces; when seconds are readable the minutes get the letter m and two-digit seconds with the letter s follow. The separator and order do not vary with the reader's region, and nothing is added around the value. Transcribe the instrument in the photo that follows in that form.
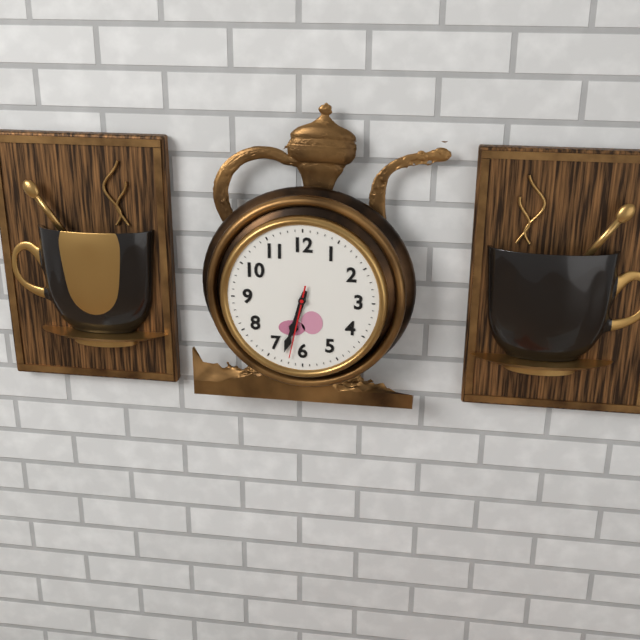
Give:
6h33m32s
